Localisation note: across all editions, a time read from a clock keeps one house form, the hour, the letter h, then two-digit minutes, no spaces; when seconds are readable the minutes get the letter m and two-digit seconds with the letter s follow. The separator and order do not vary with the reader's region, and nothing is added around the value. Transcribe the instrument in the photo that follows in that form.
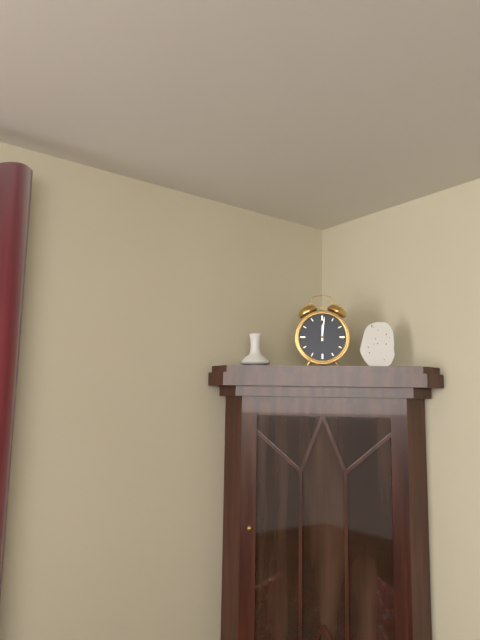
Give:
12h01
